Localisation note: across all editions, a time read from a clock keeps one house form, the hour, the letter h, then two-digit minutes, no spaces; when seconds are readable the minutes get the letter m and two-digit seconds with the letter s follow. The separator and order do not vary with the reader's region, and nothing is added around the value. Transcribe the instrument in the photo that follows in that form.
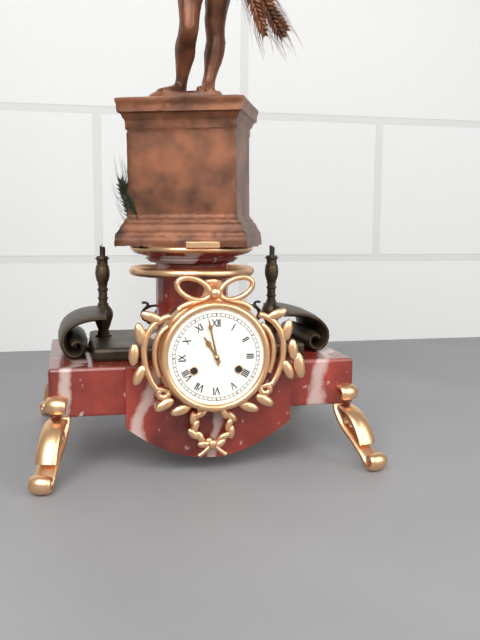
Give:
10h58
